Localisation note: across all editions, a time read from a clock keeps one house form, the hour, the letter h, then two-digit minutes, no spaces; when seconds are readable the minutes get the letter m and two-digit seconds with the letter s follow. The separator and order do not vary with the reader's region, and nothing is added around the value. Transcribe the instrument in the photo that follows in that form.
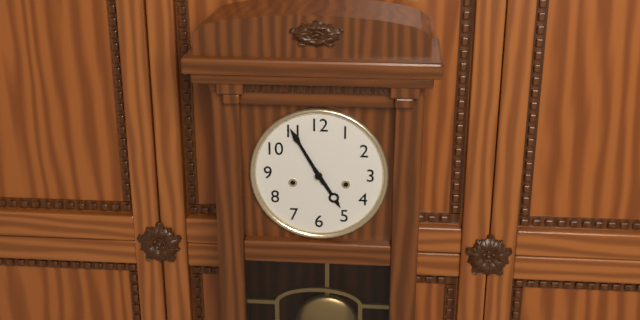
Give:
4h55
